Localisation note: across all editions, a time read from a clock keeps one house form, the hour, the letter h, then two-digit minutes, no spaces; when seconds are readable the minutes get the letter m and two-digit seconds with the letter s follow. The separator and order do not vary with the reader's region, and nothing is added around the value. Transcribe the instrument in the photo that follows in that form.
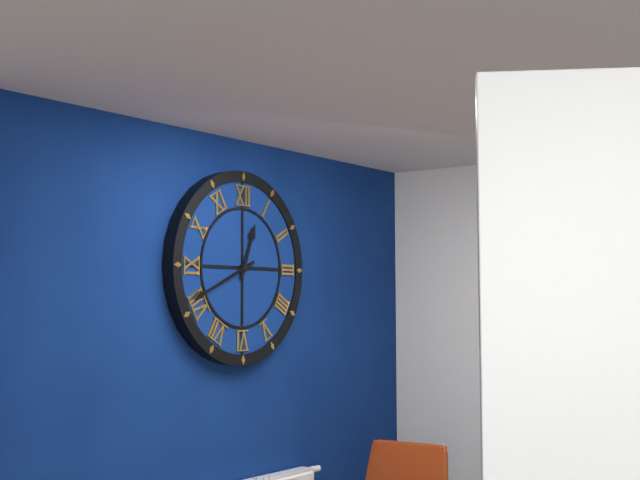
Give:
12h41
